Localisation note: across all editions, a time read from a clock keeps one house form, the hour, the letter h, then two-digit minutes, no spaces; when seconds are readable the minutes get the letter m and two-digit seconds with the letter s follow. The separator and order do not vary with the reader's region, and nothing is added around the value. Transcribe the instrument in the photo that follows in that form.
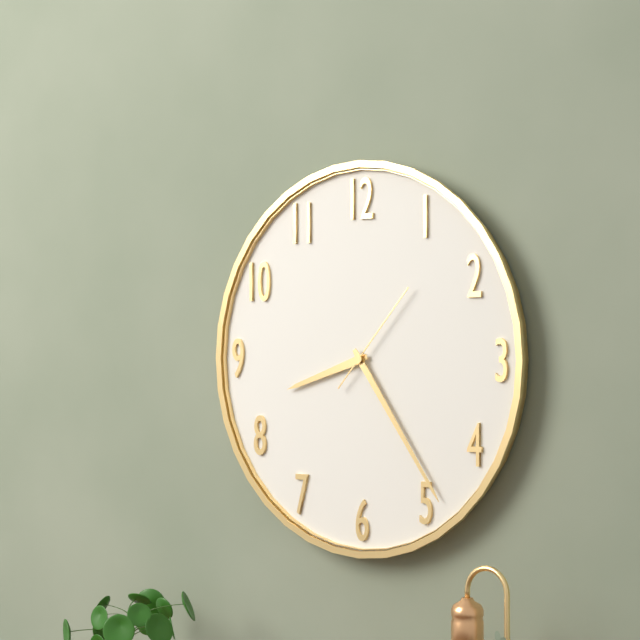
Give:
8h24m07s
